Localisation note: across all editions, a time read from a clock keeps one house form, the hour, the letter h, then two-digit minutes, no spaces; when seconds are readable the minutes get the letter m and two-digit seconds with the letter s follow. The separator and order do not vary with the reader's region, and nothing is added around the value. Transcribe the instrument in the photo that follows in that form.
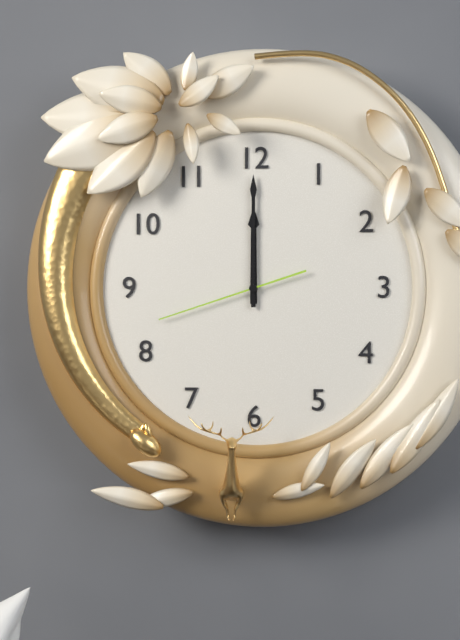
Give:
12h00m42s
